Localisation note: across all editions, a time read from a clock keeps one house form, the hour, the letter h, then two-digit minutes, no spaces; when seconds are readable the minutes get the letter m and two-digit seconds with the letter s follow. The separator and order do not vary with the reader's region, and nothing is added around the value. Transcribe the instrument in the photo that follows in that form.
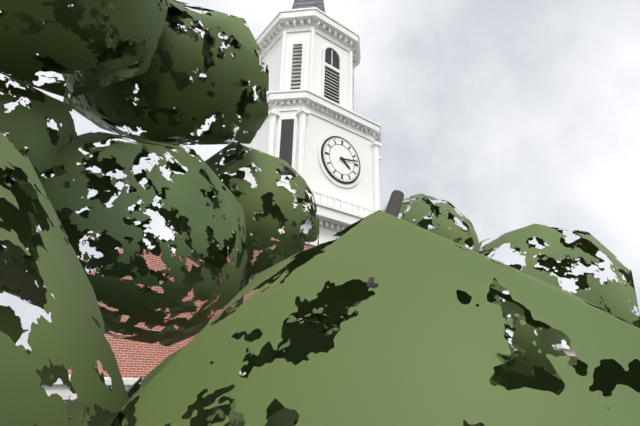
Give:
4h13
